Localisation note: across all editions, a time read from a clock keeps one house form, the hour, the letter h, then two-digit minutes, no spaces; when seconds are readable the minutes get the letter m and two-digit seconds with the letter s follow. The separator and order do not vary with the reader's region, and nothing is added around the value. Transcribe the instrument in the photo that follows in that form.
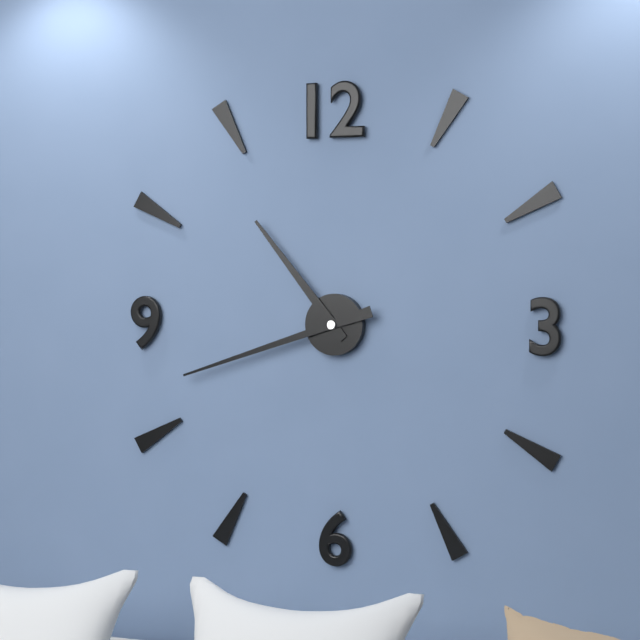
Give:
10h42
